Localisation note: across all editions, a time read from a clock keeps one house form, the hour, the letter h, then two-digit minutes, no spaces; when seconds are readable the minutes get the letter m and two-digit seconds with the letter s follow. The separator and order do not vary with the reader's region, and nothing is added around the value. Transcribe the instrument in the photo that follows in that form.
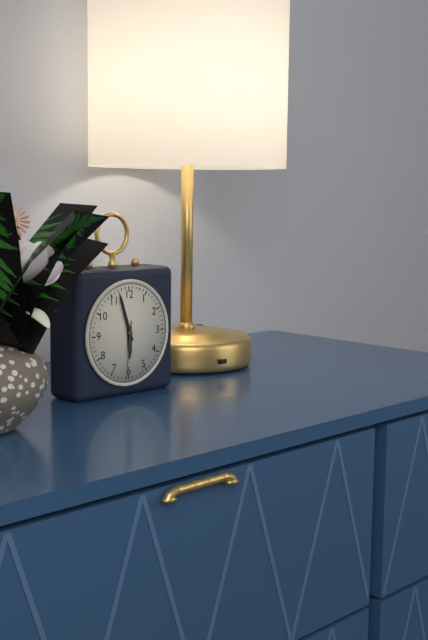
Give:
5h57m31s
